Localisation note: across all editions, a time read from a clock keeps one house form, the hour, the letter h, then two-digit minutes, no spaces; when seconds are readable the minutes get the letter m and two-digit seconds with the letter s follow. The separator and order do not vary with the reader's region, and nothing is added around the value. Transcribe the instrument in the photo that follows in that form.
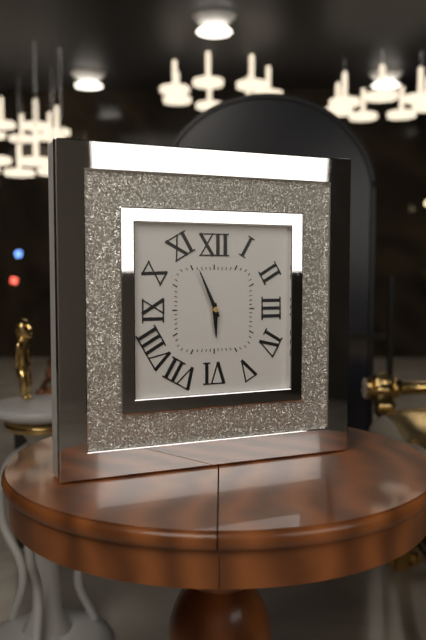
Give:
5h56
